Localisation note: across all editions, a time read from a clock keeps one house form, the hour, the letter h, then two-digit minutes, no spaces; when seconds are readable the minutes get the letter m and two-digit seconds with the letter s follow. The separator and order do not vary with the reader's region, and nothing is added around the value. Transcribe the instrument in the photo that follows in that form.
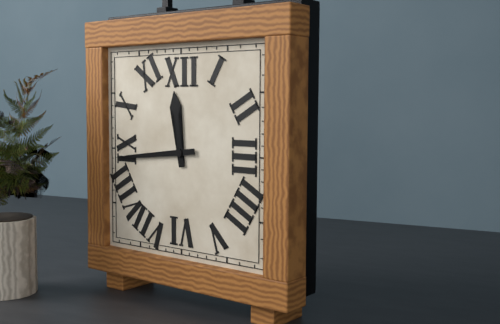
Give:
11h44
